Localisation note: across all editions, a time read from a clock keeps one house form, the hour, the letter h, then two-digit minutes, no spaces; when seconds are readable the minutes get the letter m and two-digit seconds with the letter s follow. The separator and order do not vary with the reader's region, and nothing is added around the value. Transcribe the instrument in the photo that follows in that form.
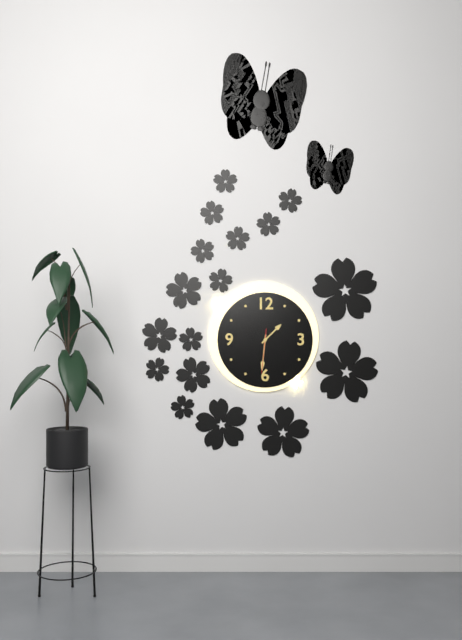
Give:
1h31
